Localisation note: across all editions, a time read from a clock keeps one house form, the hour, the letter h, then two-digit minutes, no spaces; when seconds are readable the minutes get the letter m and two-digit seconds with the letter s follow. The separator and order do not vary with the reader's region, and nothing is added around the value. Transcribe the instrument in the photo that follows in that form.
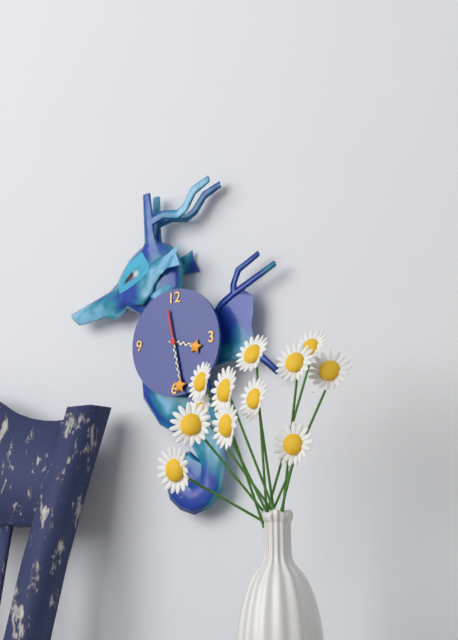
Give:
3h28
